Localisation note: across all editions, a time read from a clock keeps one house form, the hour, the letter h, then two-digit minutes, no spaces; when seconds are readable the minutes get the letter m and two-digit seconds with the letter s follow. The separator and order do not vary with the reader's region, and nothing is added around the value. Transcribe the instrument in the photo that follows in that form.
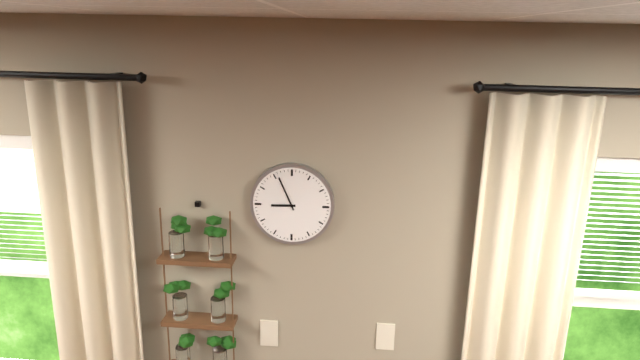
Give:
8h56
